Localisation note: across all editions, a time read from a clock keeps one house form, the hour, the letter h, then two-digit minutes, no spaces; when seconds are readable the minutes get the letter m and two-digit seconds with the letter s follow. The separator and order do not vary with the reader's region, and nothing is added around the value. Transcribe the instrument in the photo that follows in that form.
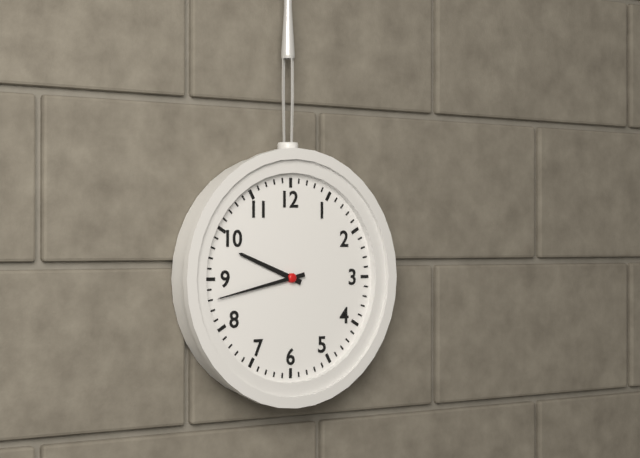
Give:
9h43
